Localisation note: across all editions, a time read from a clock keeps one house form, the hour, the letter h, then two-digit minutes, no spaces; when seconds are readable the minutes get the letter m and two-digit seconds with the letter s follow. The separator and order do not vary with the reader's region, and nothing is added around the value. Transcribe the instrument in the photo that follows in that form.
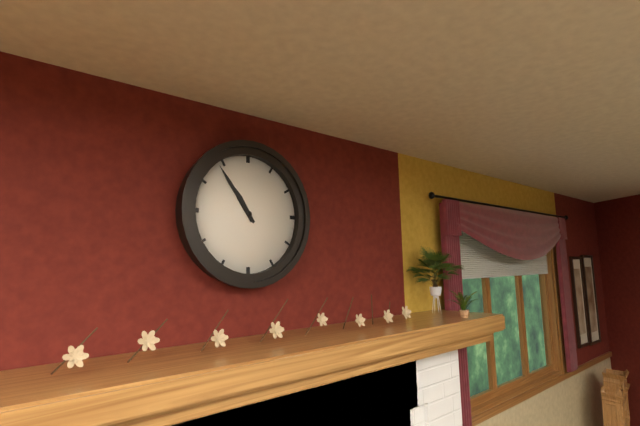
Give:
10h54
